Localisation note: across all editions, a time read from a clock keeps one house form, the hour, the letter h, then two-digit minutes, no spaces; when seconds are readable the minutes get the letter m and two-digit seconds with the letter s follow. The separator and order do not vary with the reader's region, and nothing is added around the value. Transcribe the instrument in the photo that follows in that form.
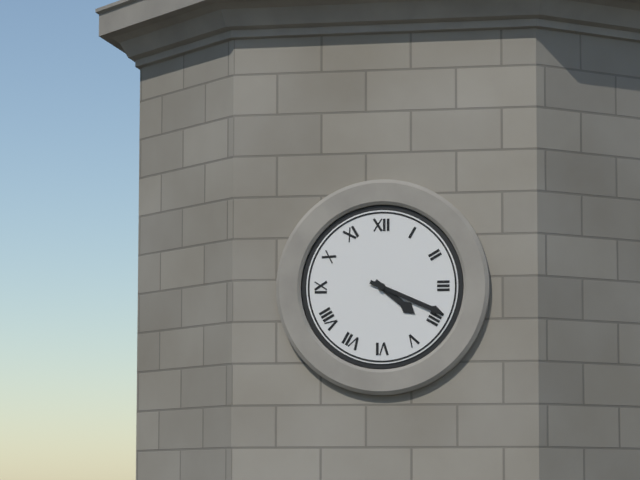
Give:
4h19
